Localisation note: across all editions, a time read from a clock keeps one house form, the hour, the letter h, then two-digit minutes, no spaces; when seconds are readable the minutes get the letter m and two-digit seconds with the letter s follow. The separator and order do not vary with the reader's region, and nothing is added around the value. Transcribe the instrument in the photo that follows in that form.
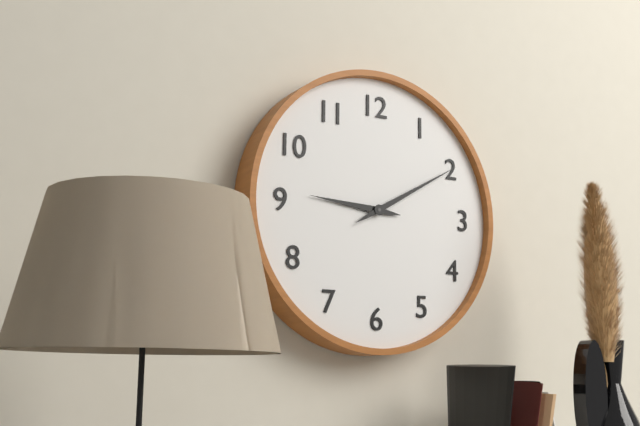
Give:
9h10
